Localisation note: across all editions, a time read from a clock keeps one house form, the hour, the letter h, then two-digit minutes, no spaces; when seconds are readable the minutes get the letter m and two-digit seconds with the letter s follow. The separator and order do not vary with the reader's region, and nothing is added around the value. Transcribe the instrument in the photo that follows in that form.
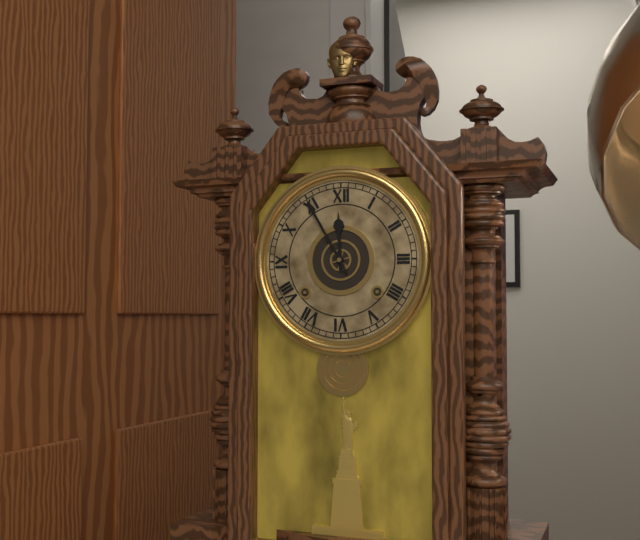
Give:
11h55
